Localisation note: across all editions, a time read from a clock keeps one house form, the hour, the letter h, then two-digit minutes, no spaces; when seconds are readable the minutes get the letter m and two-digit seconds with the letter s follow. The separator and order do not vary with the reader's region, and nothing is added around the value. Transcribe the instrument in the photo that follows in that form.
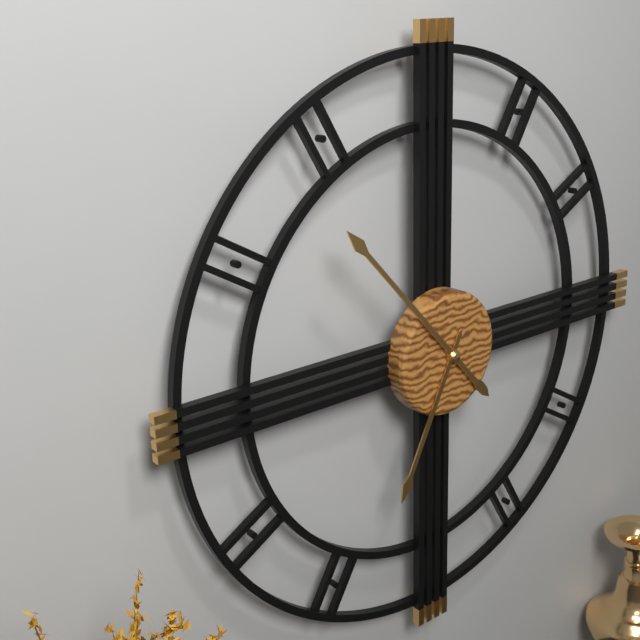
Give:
6h53
